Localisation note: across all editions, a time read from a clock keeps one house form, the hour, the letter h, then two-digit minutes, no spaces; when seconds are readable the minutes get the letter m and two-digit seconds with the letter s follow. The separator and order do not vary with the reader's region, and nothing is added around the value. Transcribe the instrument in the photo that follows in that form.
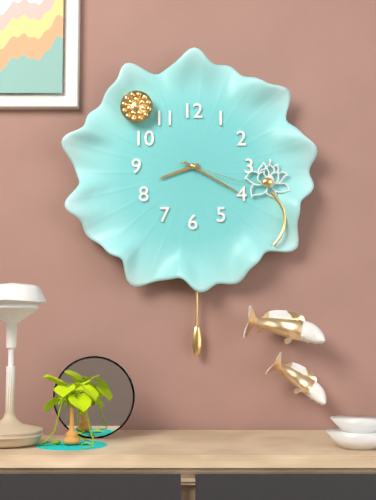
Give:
8h20m18s
